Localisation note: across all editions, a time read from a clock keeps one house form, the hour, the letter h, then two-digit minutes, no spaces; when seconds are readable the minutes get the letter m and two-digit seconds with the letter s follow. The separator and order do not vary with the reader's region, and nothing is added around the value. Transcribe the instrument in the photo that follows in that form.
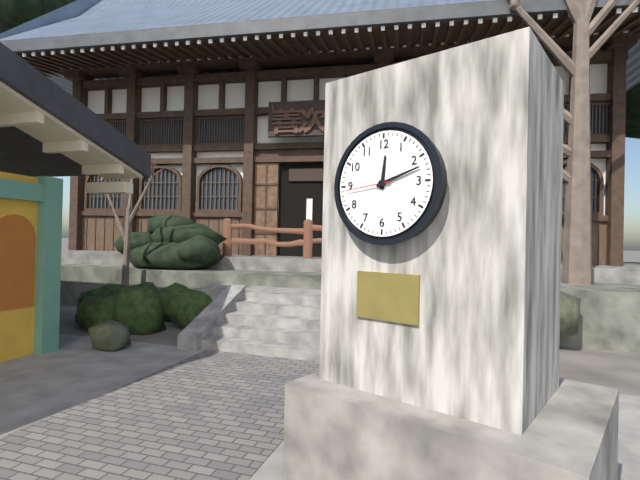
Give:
12h12m44s
